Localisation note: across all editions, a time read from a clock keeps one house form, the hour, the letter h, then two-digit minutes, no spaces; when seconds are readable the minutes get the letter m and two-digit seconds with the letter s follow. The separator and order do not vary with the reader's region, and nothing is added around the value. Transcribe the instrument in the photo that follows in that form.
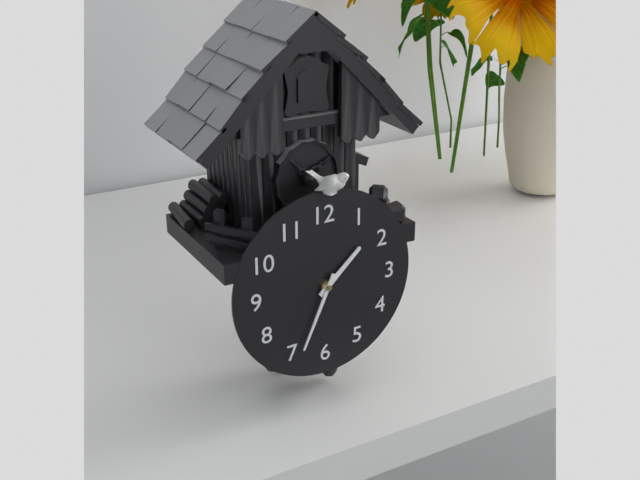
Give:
1h34
